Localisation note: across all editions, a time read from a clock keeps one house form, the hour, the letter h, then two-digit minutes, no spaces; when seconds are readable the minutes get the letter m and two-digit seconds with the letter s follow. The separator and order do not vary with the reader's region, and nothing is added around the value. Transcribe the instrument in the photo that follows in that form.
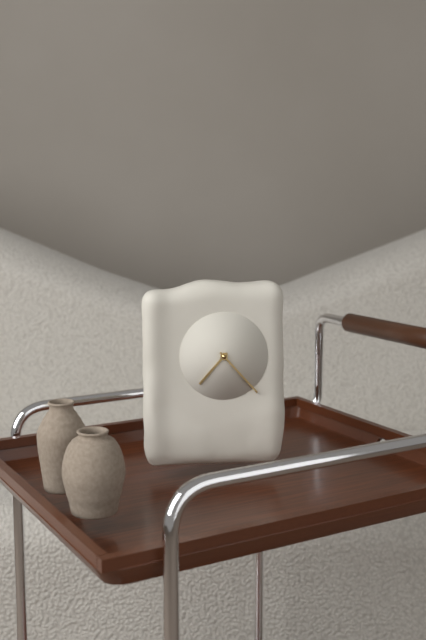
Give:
7h23
